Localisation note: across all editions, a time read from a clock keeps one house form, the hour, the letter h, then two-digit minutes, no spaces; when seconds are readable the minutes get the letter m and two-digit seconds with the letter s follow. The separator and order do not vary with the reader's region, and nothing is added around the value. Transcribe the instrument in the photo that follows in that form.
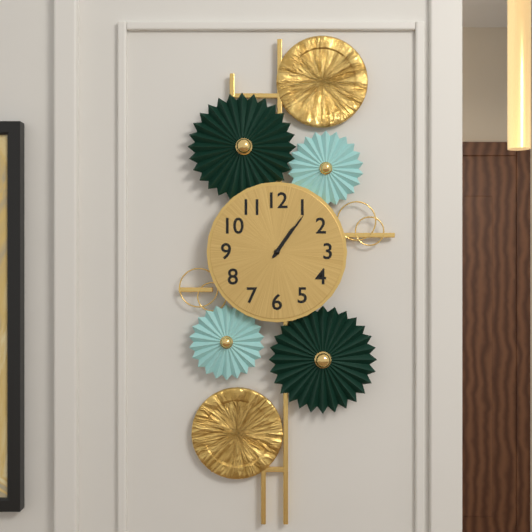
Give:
1h06
